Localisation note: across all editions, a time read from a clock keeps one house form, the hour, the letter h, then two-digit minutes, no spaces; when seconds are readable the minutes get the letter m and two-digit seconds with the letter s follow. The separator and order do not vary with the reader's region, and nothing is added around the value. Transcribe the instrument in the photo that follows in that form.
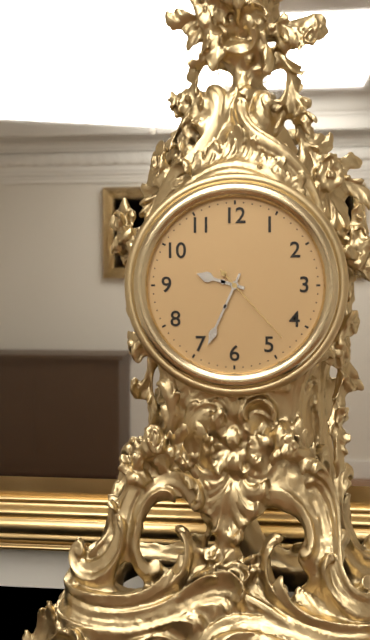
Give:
9h34m23s
